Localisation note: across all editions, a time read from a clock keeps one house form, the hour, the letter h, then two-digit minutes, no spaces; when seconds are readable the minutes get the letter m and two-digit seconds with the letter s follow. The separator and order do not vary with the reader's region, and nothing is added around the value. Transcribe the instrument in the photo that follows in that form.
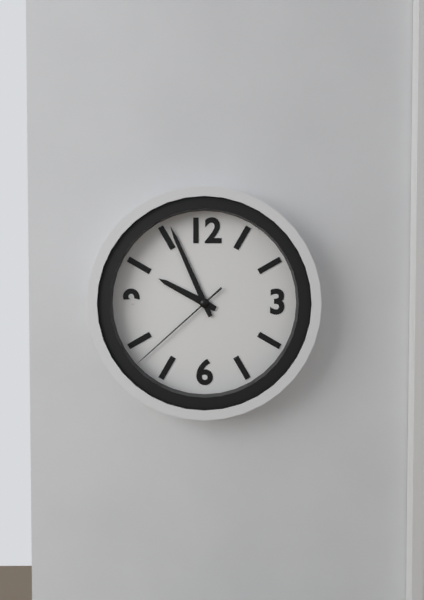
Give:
9h56m38s
